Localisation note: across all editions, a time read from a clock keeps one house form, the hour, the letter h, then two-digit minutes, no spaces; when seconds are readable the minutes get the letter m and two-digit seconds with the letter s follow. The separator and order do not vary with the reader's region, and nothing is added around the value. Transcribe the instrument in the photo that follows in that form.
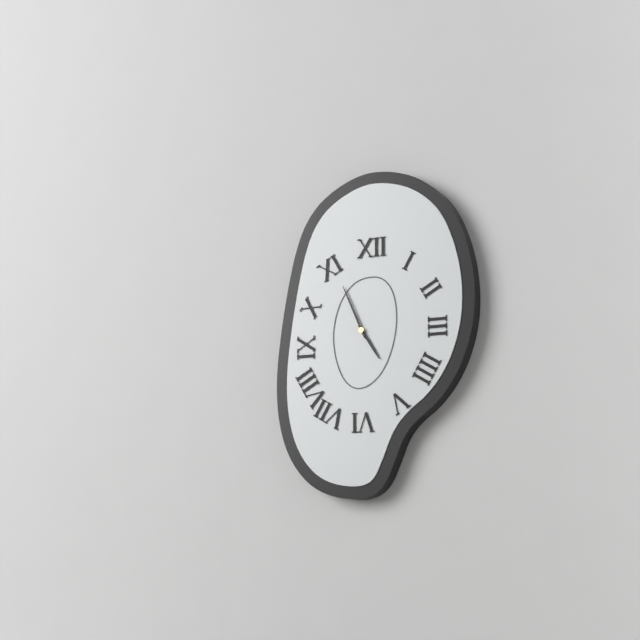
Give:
4h56
